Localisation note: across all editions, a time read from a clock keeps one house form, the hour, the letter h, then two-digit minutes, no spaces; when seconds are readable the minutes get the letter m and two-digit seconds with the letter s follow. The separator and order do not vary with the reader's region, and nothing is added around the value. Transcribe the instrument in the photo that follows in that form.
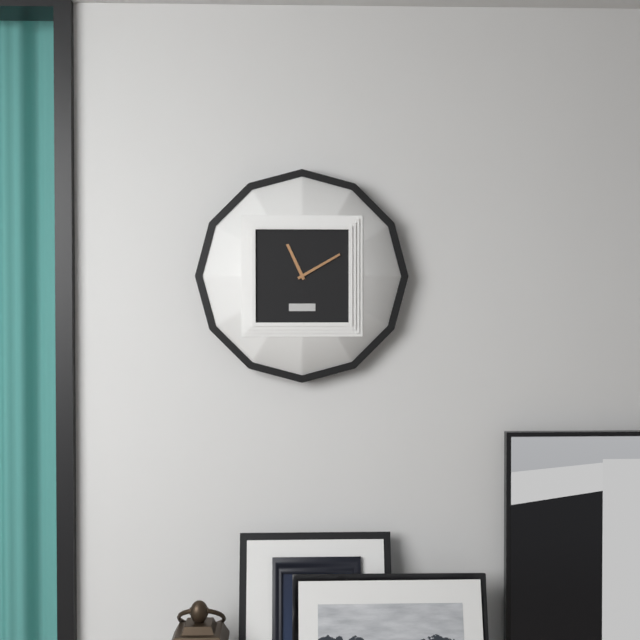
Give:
11h10
